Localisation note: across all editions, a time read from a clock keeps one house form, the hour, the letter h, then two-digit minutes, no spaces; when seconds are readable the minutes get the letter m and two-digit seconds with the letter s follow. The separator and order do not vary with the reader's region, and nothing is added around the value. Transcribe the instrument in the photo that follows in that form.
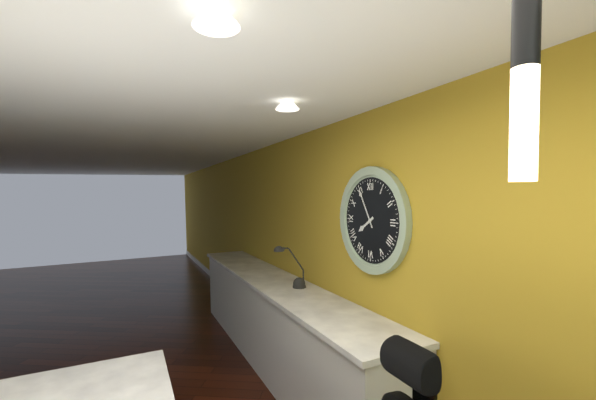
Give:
7h55
